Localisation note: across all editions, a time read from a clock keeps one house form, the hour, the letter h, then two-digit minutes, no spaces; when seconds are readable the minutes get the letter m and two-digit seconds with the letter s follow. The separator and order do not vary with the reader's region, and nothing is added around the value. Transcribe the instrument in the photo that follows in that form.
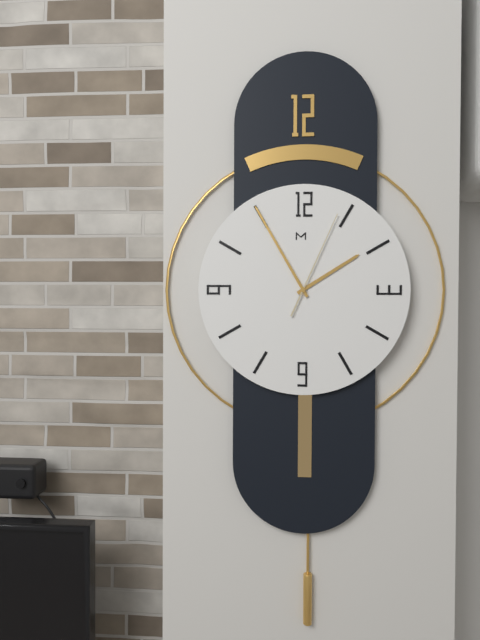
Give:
1h55m04s
